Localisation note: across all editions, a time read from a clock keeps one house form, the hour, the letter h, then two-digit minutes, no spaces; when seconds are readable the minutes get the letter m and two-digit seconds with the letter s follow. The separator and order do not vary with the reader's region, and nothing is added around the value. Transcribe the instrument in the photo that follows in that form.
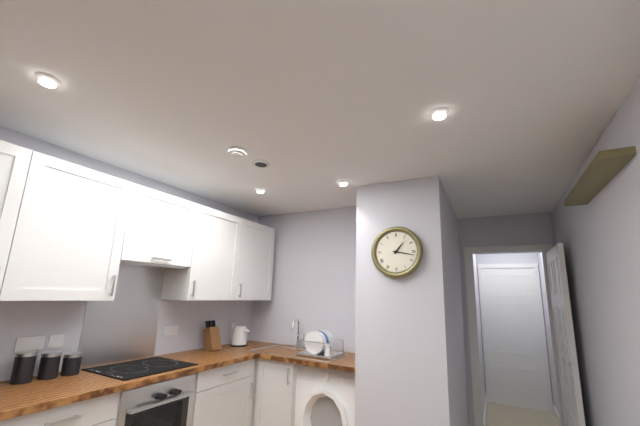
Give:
1h17
